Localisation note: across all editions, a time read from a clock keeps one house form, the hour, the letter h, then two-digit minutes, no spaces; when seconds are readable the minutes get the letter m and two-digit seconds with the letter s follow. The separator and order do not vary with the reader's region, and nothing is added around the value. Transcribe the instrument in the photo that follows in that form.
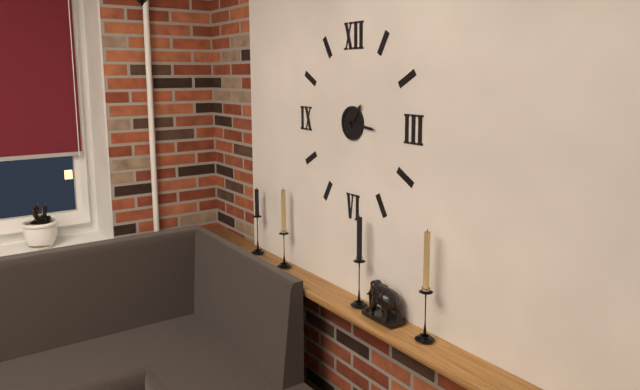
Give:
1h16
